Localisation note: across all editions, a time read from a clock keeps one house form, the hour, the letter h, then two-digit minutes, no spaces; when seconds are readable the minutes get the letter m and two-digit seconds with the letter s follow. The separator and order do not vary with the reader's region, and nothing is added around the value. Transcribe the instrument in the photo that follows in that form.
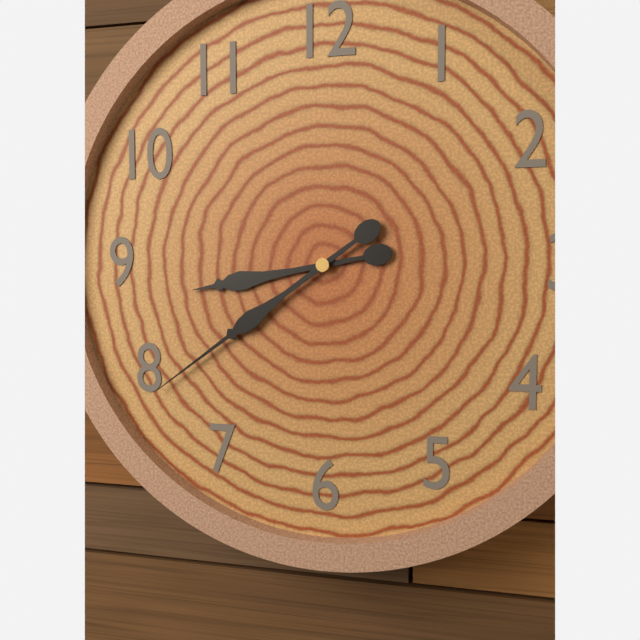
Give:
8h39
